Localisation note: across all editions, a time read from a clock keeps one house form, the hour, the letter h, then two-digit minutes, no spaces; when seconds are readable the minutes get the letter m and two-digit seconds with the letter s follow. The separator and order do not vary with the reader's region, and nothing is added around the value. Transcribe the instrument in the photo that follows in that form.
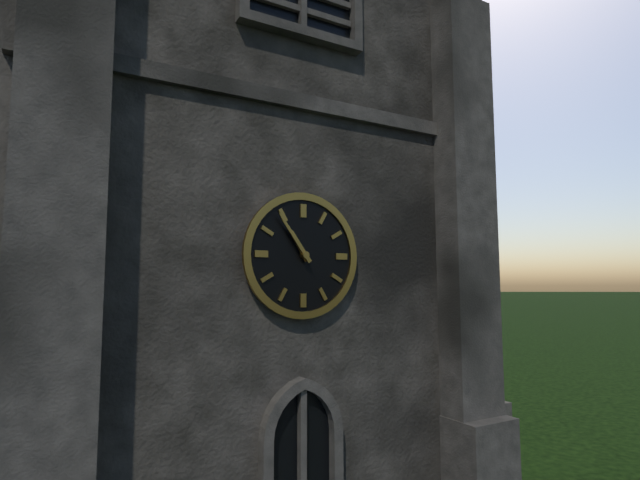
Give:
10h54
